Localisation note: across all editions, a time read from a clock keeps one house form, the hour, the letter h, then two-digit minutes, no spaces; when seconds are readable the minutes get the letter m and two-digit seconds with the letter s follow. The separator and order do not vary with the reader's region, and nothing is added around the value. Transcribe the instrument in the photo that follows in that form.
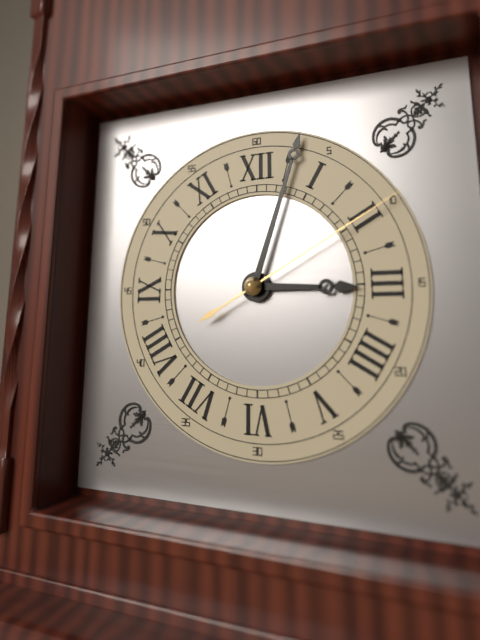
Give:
3h03m10s
